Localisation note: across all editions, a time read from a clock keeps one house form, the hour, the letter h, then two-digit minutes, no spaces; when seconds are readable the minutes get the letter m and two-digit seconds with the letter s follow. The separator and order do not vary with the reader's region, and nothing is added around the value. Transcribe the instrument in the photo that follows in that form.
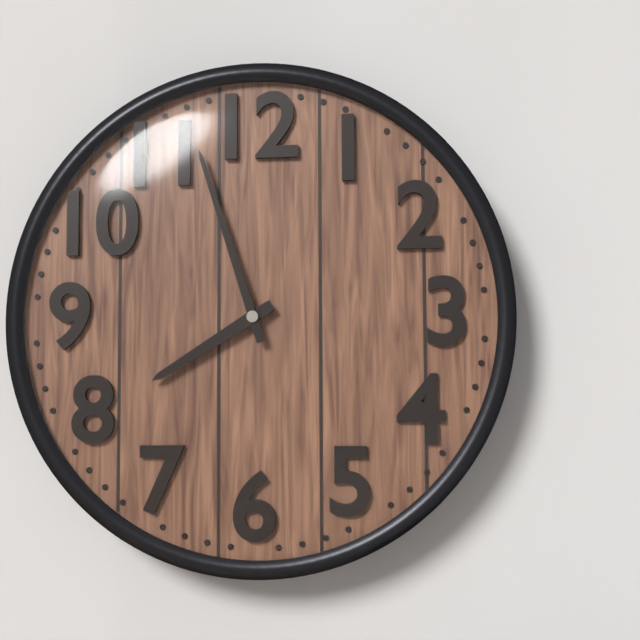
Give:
7h57
